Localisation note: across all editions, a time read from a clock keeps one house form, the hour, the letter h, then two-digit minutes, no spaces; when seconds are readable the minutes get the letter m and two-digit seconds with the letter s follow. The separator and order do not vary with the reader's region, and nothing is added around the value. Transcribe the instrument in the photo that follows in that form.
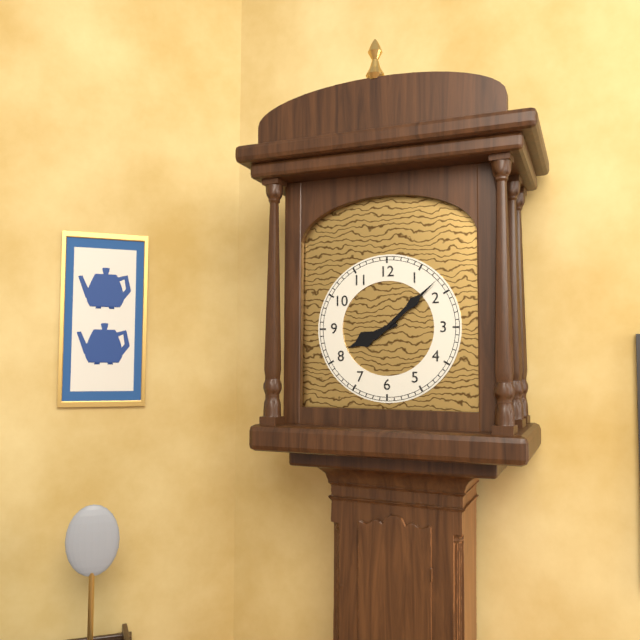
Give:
8h08
